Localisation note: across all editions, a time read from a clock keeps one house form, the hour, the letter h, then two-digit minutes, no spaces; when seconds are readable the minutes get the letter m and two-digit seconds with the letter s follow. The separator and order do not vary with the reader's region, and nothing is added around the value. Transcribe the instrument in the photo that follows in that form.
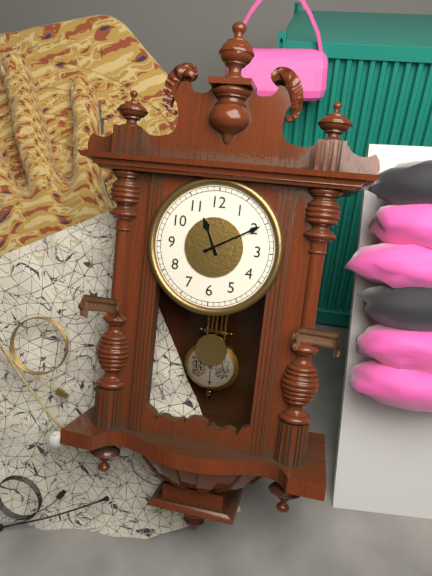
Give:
11h10
